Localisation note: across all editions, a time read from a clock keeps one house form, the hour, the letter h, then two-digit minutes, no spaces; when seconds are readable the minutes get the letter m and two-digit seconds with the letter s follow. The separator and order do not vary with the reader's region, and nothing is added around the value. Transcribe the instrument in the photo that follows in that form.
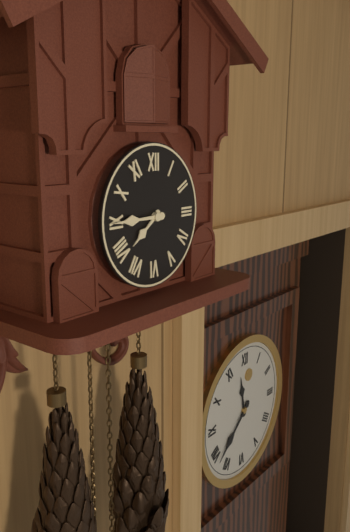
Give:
7h45
